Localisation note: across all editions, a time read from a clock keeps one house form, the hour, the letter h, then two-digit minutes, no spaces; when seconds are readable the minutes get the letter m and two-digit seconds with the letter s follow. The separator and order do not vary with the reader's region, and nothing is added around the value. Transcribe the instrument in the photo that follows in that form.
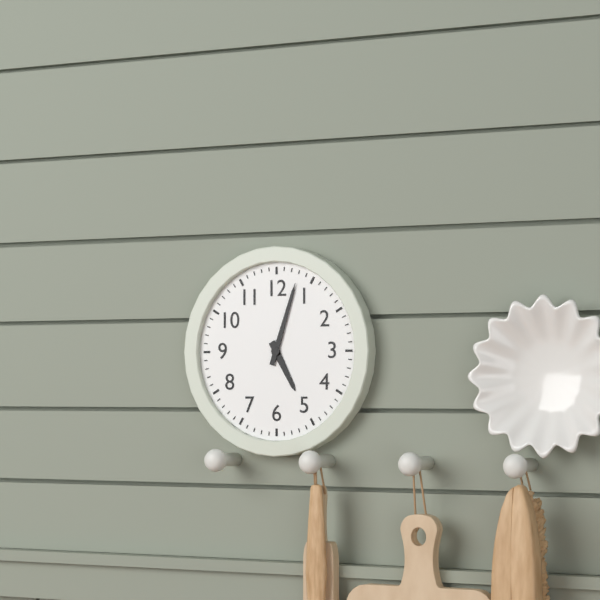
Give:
5h03
